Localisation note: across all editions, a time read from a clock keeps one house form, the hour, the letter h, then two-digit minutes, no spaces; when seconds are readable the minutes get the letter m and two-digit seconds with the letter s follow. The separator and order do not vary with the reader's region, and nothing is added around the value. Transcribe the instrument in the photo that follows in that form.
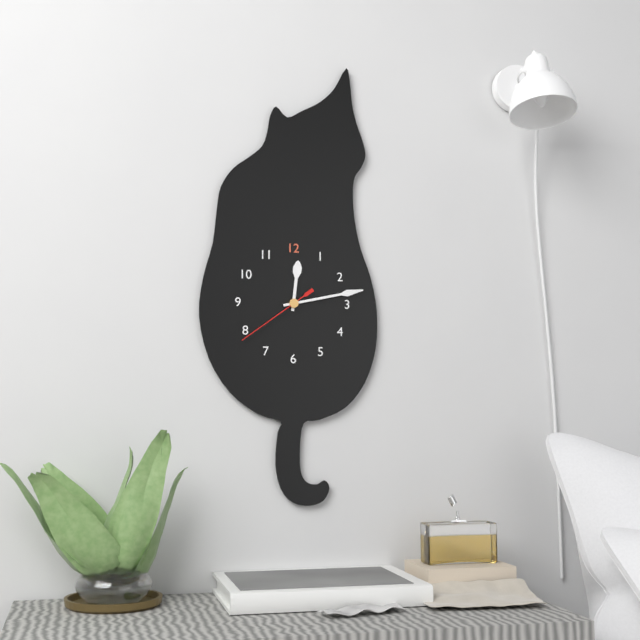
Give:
12h13m39s
